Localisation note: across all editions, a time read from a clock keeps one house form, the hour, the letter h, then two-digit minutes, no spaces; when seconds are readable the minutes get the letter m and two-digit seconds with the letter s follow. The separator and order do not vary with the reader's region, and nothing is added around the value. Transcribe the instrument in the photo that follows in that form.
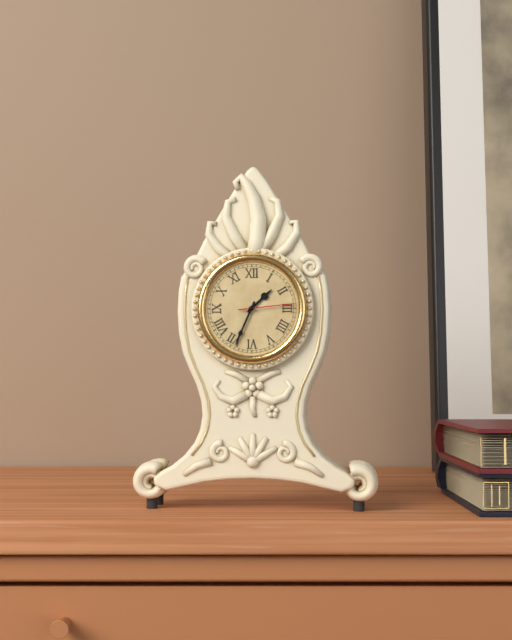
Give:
1h34m14s
